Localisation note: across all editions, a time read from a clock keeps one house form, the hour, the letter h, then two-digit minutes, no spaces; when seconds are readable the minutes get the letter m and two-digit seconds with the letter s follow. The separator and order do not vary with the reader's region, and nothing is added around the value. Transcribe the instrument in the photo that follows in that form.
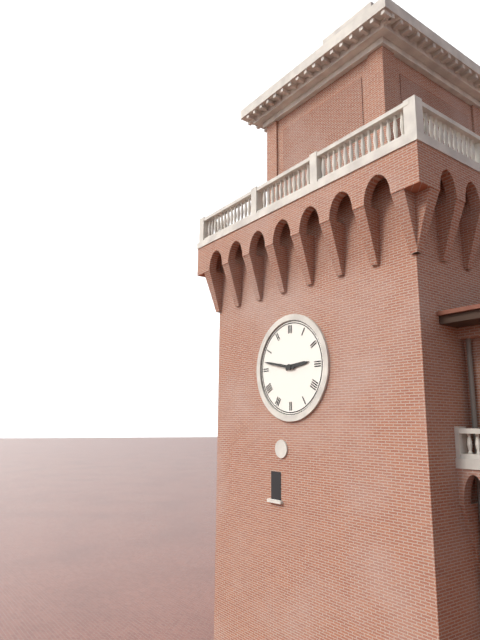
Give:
2h47
